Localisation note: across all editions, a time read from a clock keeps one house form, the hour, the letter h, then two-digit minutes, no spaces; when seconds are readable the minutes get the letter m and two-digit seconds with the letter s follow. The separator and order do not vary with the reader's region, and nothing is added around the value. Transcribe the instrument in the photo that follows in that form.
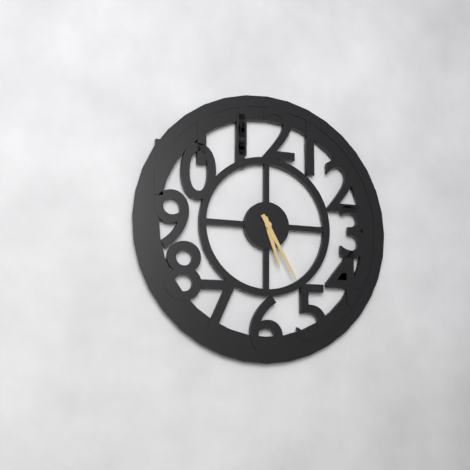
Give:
5h25
